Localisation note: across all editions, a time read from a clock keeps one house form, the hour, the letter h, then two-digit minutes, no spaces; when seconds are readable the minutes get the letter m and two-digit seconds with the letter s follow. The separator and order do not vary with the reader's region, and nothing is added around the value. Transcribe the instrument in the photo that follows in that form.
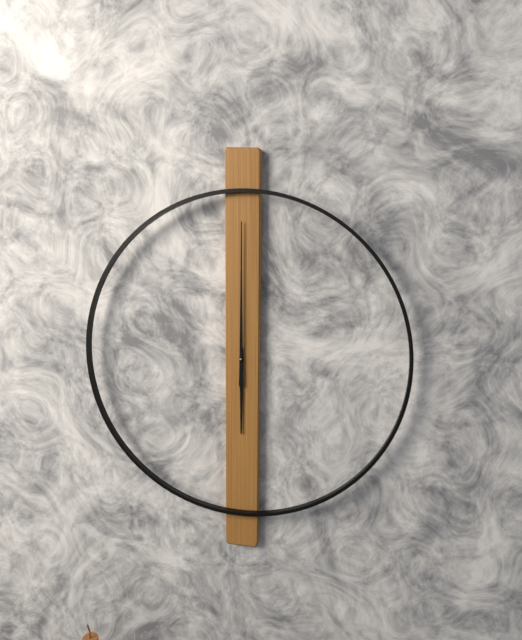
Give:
6h00
